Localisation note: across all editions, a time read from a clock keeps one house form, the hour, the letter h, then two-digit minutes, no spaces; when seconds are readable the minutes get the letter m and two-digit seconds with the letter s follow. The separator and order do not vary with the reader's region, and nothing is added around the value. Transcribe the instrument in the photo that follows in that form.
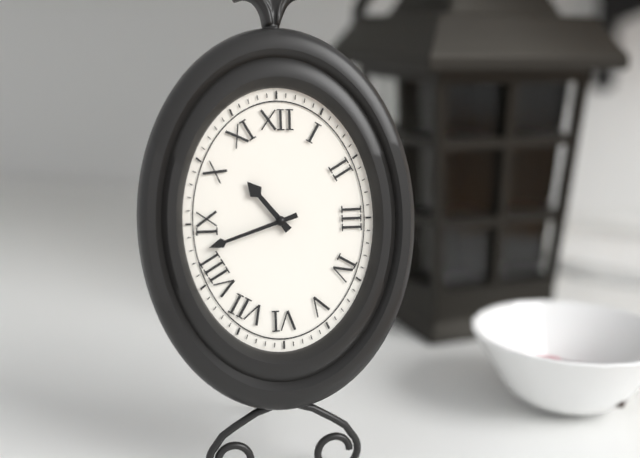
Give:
10h42
